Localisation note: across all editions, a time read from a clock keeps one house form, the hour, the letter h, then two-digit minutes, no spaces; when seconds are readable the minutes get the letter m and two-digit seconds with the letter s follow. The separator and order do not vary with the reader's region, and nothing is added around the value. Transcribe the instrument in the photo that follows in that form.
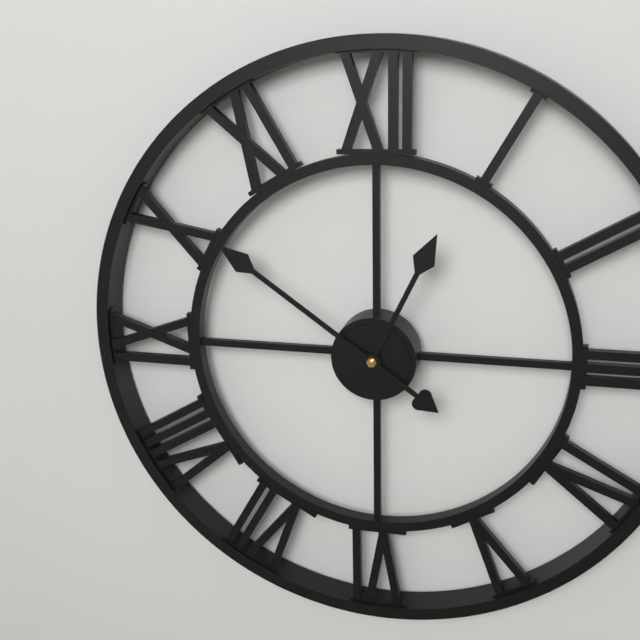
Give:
12h51
